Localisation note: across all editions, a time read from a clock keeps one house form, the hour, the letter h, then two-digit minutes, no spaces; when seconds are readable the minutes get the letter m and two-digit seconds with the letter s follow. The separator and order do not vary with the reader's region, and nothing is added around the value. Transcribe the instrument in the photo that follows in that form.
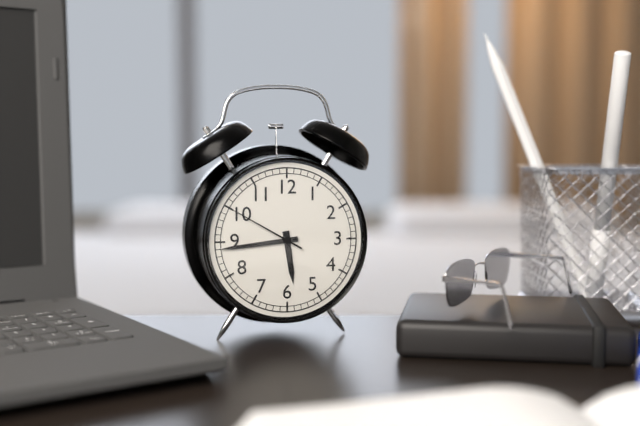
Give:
5h44m50s
